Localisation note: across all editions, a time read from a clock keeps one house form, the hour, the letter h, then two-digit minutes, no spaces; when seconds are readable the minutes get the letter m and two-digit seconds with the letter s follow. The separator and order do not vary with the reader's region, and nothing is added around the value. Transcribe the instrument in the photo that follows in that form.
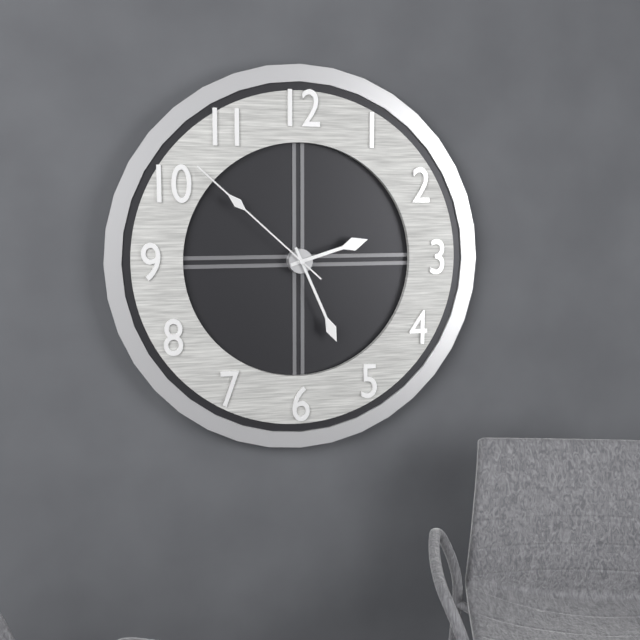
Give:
2h26m52s
